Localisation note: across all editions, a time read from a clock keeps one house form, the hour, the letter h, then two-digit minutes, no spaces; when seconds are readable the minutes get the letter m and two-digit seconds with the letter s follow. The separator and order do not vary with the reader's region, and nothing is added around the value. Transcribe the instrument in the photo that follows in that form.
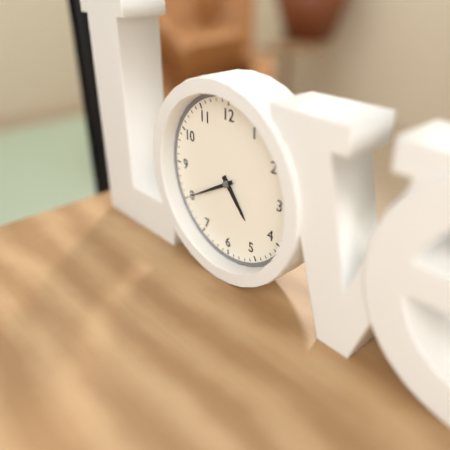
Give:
4h40
